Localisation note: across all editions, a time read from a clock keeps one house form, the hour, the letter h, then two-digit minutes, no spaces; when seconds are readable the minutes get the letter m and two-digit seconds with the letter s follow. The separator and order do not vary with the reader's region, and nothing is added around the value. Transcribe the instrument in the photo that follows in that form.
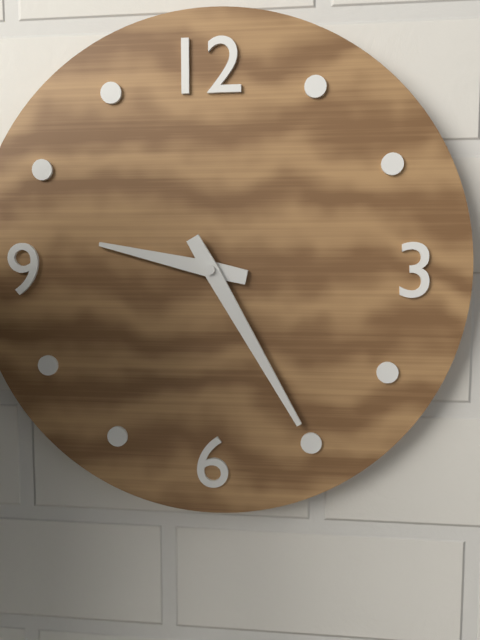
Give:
9h25
